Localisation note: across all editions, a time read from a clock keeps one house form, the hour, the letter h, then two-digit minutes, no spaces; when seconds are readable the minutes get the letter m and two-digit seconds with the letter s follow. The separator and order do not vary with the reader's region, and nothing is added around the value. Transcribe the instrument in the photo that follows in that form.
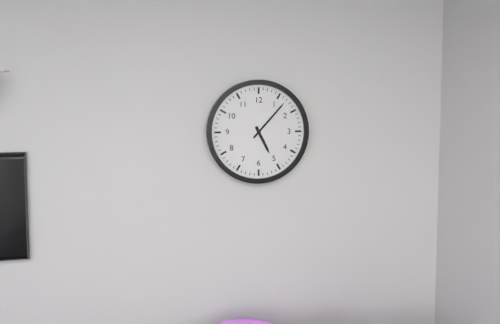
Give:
5h07
